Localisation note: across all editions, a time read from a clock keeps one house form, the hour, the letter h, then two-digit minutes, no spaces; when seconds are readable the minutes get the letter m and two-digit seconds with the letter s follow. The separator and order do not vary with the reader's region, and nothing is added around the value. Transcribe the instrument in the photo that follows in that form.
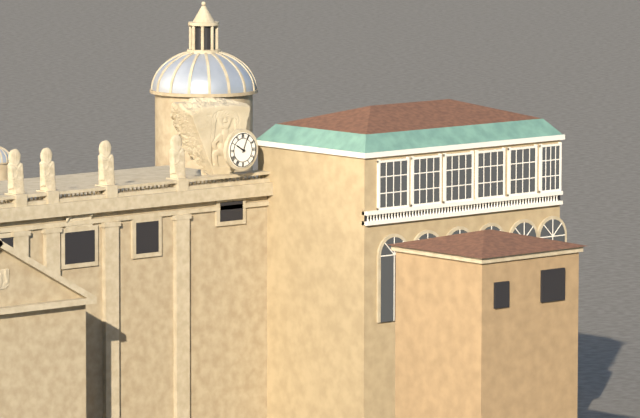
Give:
10h04
